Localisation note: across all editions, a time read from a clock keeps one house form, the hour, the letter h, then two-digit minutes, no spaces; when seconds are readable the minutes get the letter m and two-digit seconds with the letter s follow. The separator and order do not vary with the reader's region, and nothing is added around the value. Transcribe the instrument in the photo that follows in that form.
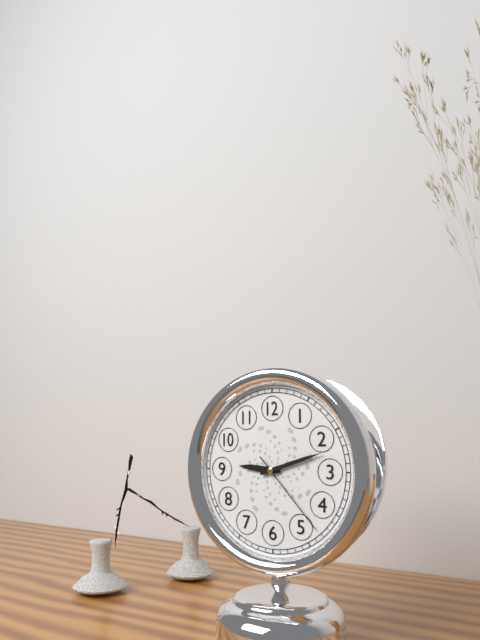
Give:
9h12m23s
